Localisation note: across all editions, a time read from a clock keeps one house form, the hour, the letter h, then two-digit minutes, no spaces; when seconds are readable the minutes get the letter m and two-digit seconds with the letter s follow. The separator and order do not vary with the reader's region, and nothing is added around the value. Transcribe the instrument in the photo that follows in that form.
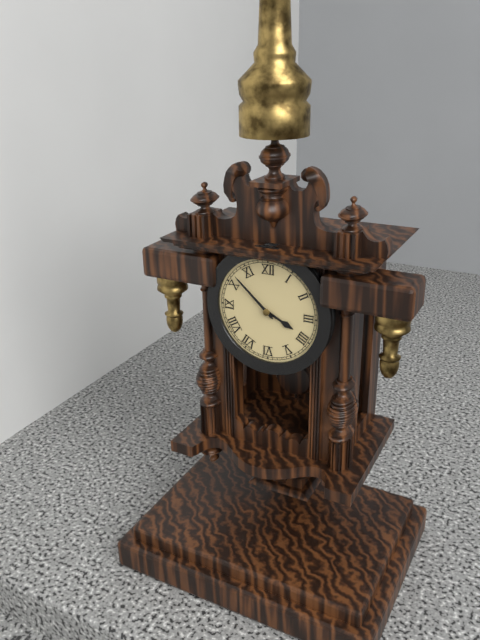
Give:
3h52
